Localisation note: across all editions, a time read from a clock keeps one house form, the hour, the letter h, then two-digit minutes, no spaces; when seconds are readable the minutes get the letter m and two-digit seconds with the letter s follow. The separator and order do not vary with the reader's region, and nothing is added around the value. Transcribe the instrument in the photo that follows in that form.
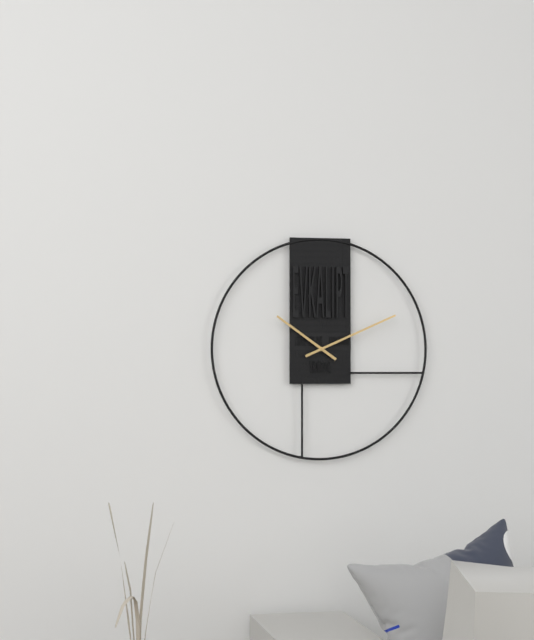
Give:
10h11
